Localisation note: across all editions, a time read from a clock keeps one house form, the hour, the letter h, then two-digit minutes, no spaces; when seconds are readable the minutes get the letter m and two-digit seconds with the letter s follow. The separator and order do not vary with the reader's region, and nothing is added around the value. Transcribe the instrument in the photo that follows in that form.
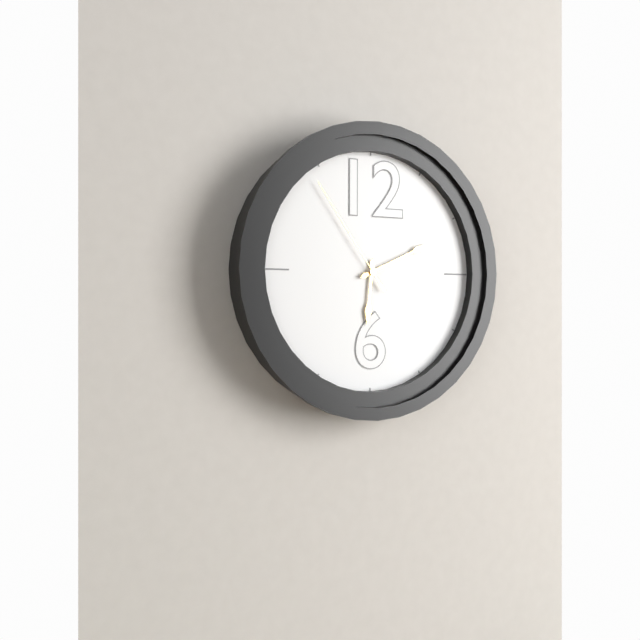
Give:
6h11m54s
